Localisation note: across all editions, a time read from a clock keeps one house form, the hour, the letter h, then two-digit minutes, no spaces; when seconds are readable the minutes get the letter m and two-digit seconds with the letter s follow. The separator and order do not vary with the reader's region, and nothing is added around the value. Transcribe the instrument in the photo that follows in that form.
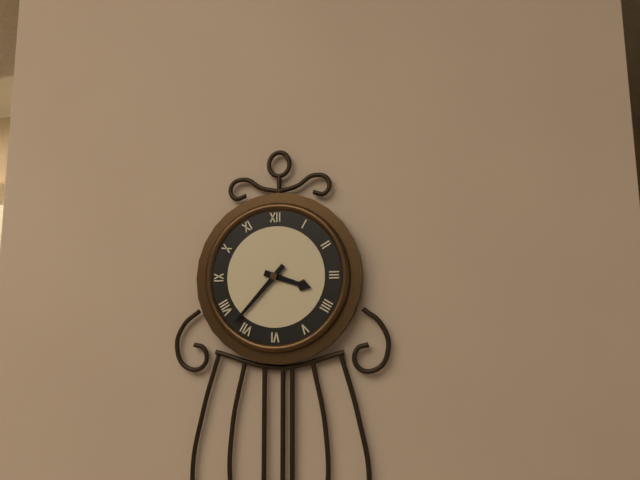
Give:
3h37
